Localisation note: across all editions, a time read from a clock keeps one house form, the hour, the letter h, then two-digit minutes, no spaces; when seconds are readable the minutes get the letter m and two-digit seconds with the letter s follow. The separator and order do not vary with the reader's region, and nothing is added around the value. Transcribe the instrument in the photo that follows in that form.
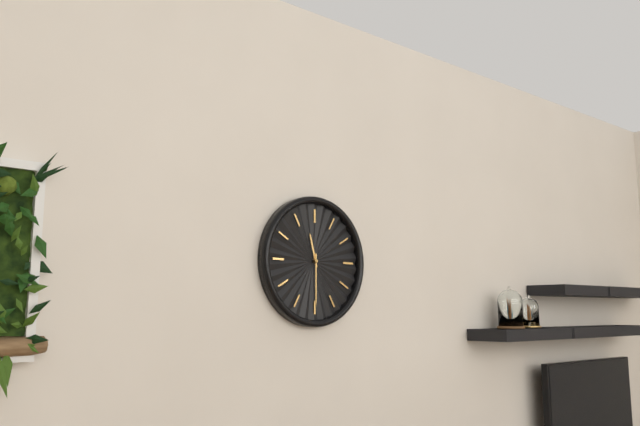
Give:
11h30
